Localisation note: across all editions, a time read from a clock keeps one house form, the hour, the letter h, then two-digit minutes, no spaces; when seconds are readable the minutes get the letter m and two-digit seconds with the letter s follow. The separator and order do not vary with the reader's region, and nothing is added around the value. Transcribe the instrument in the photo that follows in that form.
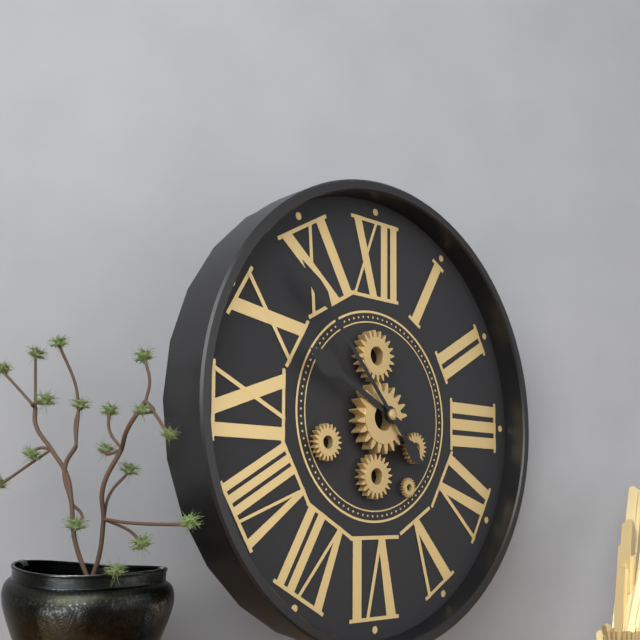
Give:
9h53
